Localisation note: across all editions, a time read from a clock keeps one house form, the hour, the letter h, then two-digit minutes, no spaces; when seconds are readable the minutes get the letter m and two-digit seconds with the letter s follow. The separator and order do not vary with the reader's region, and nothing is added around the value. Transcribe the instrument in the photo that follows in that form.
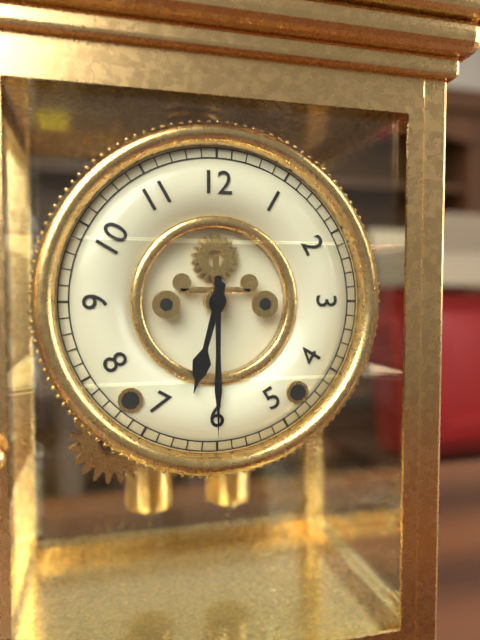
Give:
6h30
